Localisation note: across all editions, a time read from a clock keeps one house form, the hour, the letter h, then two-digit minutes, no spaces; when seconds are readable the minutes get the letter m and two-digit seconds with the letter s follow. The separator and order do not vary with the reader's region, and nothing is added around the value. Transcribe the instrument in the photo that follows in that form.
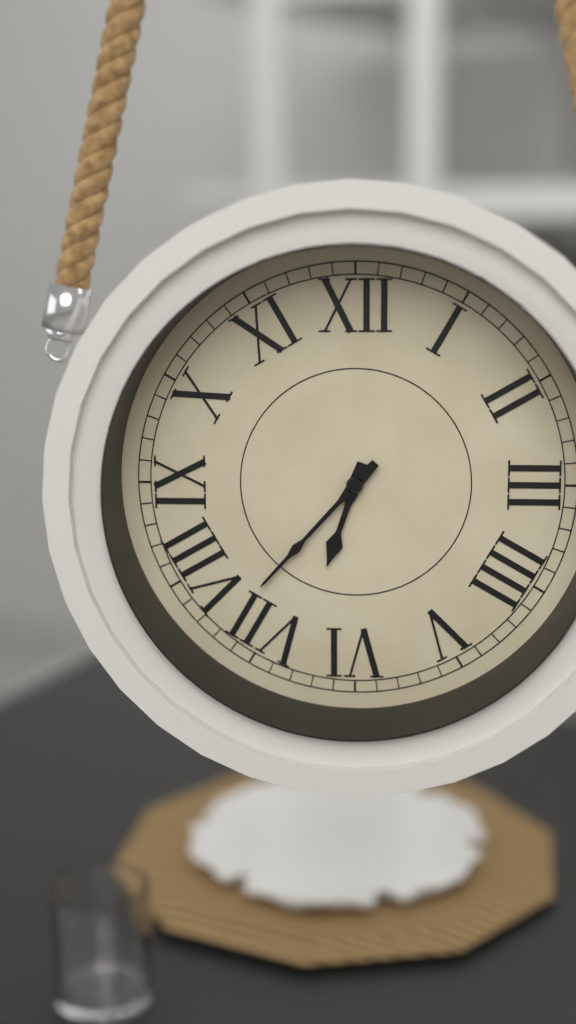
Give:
6h37
